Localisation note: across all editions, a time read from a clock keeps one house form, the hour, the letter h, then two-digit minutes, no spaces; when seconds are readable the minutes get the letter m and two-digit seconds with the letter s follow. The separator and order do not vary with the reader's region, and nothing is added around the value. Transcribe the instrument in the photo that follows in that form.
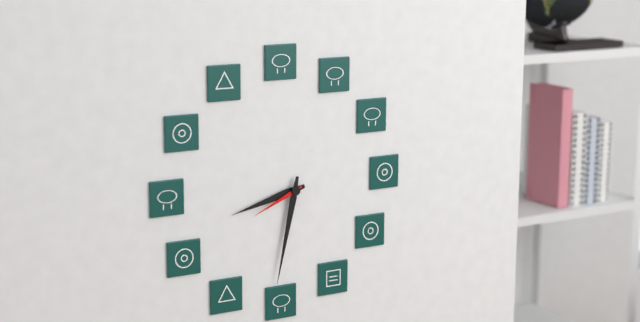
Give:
8h32m41s
